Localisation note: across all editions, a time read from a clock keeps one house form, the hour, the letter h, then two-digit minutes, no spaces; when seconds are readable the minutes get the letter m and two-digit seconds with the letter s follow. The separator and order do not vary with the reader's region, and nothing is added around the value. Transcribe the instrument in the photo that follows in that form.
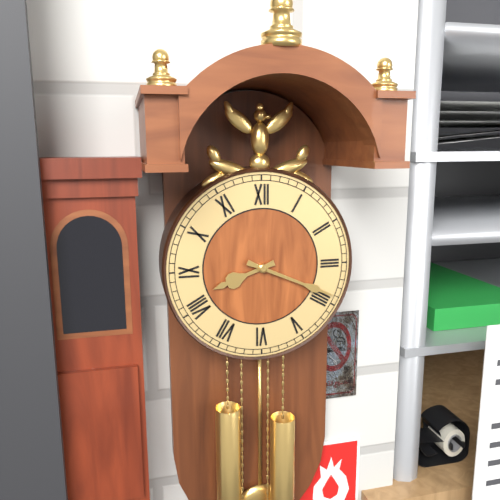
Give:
8h19
